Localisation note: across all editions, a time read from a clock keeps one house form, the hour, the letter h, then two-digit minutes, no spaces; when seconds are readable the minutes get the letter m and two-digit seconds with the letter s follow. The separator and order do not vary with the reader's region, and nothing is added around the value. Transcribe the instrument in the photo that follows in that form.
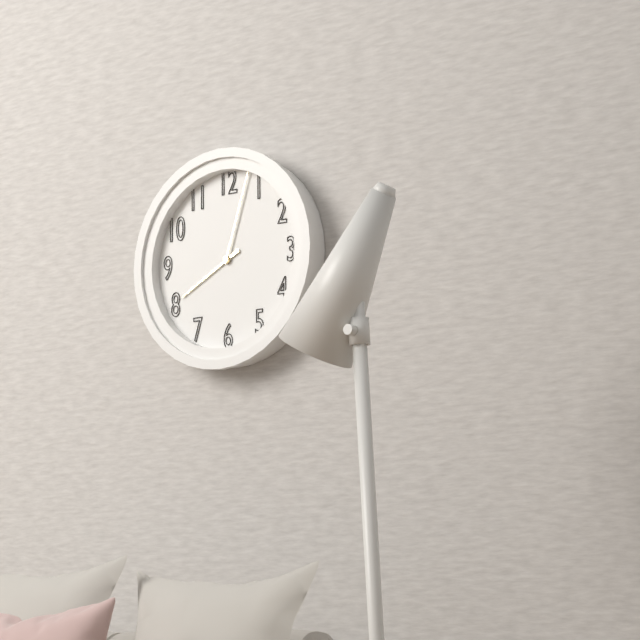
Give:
8h03
